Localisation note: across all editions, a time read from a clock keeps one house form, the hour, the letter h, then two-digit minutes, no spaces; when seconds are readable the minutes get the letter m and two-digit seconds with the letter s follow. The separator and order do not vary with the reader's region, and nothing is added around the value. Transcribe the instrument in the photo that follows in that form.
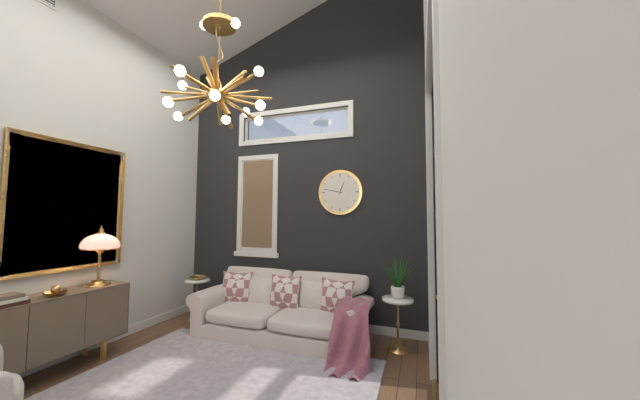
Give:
12h47
